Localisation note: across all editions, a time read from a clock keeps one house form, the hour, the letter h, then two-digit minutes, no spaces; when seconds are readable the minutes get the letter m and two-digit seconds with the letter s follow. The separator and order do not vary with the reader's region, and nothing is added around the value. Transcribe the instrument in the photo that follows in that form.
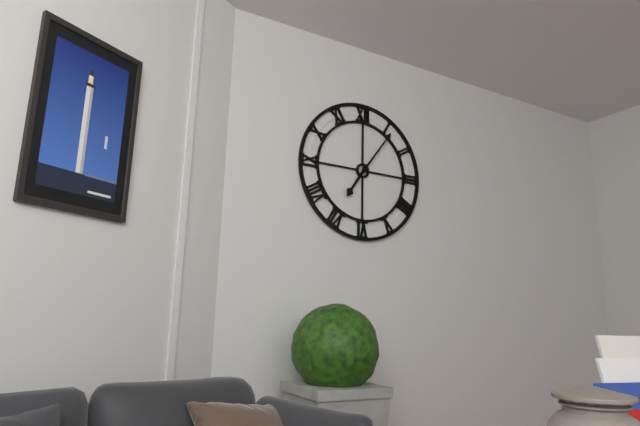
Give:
7h06
